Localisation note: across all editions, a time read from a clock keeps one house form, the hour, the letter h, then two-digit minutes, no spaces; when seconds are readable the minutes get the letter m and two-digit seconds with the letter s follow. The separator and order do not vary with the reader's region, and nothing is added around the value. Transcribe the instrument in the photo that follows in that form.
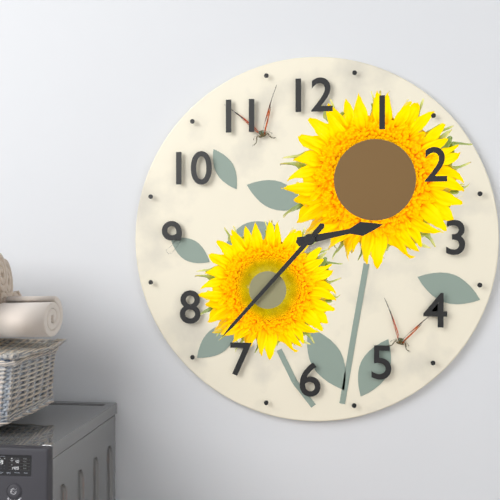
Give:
2h37
